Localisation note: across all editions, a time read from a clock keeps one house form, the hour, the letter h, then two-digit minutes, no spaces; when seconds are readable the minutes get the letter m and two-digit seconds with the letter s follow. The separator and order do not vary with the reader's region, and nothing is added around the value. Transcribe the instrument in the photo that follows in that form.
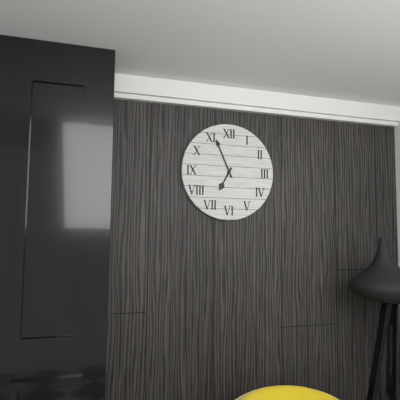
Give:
6h56
